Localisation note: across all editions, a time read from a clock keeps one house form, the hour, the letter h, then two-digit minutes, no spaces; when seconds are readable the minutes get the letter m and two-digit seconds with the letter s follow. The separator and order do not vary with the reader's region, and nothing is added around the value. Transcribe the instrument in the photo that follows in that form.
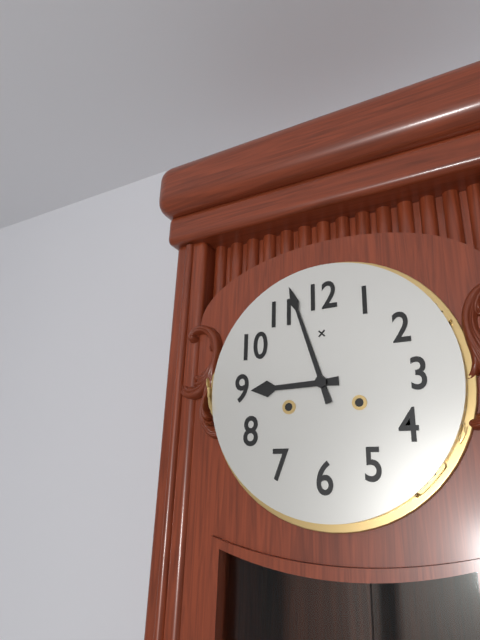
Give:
8h57
